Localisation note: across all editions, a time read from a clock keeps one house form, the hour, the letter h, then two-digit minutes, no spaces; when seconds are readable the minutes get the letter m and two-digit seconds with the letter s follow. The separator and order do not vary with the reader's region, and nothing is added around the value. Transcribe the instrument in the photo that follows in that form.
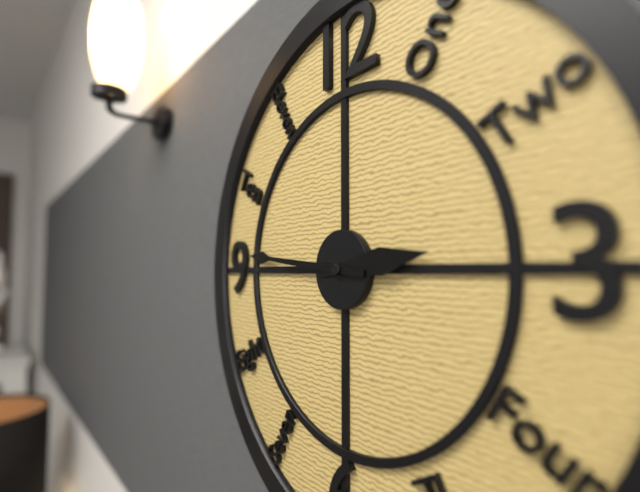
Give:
2h46
